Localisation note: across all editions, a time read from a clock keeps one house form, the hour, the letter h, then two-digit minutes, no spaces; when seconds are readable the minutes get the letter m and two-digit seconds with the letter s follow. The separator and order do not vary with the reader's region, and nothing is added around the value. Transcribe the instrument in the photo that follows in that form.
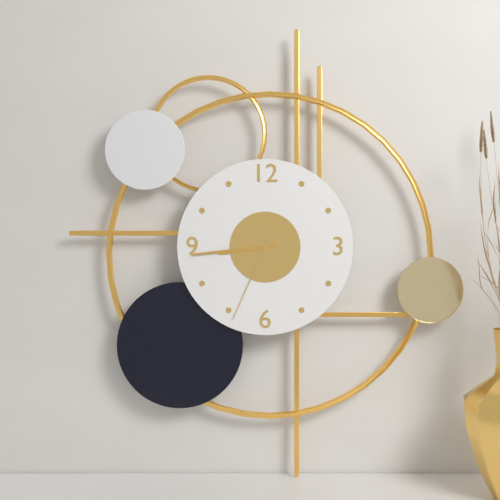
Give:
8h44m34s
